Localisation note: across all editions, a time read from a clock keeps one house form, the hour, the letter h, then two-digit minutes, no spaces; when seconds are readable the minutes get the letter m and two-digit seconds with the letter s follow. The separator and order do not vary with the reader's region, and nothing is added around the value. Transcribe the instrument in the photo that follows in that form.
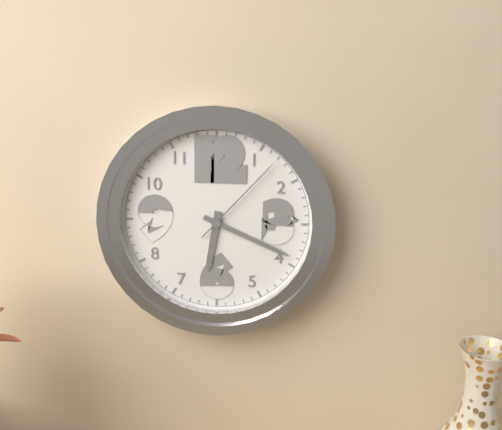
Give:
6h19m07s
